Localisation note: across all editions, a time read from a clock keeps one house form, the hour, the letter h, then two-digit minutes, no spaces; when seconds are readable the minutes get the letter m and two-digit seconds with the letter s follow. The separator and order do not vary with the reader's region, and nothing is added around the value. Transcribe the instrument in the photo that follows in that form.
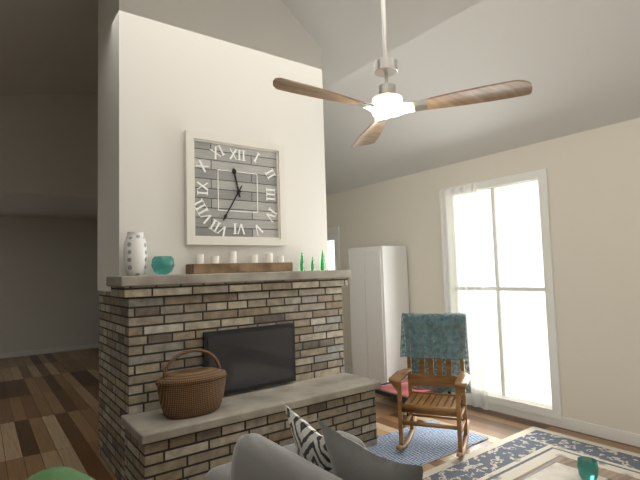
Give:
11h35
